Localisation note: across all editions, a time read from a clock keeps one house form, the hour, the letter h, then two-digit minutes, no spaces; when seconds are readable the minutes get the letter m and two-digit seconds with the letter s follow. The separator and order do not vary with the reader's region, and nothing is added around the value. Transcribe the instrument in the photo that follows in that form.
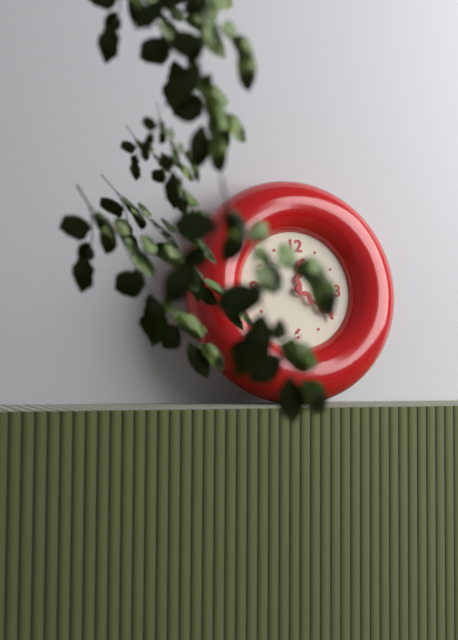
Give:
12h21
